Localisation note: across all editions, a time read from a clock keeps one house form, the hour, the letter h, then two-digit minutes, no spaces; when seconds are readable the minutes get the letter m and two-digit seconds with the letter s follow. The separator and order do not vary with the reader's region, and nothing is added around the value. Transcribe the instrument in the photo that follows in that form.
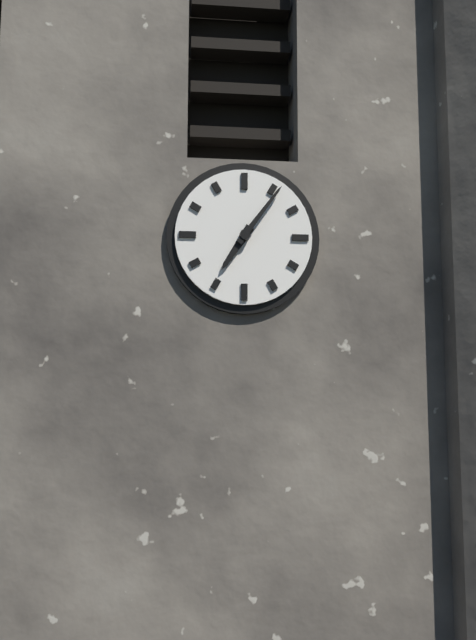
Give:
7h06
